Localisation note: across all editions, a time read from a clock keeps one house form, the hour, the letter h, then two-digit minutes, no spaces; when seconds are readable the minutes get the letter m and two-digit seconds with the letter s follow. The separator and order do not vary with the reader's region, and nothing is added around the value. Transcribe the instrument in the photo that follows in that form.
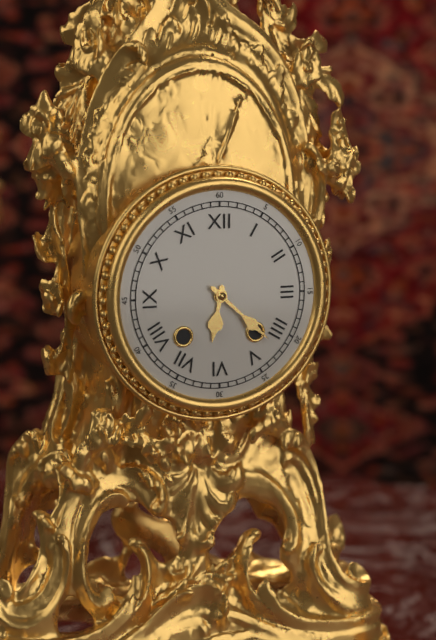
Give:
6h22
